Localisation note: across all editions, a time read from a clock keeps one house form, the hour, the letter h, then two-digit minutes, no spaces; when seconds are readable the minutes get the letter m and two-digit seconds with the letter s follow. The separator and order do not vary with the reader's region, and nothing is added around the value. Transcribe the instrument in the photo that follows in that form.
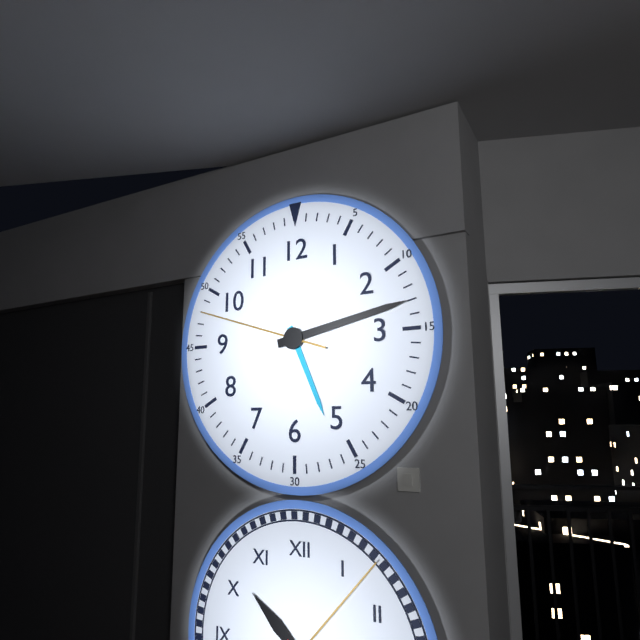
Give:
5h13m48s
